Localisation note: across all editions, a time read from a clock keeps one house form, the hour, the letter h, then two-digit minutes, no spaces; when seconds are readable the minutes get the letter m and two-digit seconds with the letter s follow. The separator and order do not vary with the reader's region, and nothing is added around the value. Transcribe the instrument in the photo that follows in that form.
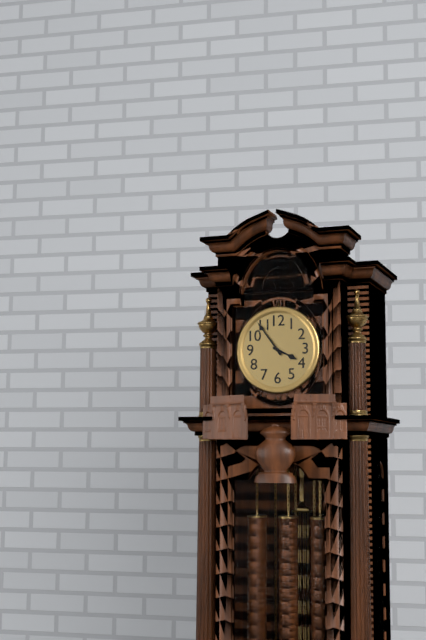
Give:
3h54
